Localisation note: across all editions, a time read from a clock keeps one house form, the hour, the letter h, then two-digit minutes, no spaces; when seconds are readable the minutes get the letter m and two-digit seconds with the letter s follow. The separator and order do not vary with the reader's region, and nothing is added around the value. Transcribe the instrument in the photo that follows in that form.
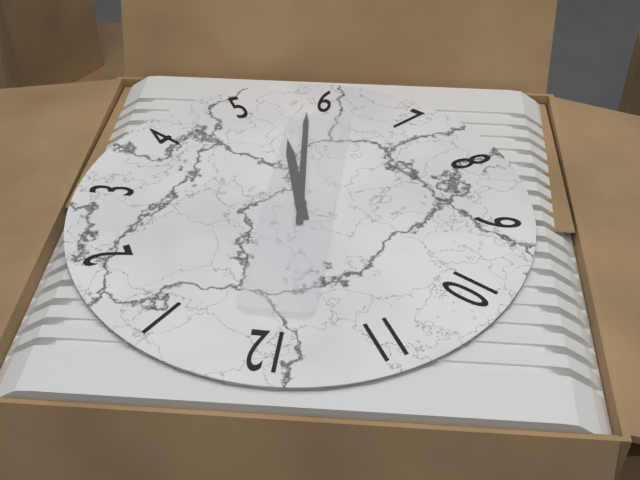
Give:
5h29
